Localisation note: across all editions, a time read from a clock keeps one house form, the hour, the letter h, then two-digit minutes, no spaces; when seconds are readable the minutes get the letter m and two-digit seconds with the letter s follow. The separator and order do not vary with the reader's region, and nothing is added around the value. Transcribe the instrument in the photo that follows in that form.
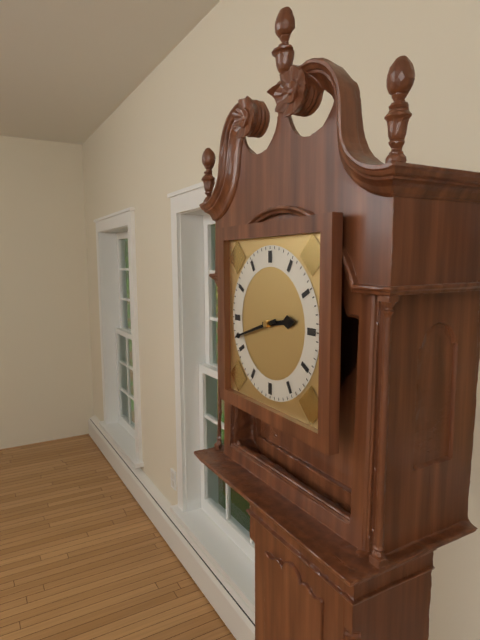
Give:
2h42
